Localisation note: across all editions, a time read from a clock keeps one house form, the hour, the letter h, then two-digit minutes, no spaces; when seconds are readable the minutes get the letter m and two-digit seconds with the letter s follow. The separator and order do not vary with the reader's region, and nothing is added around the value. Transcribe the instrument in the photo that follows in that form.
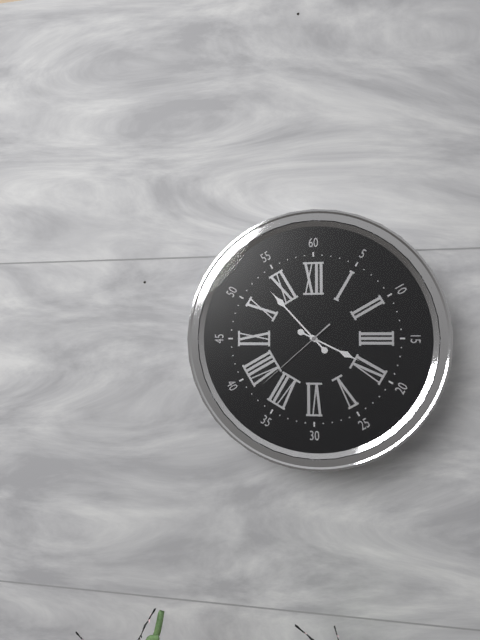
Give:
3h53m38s
